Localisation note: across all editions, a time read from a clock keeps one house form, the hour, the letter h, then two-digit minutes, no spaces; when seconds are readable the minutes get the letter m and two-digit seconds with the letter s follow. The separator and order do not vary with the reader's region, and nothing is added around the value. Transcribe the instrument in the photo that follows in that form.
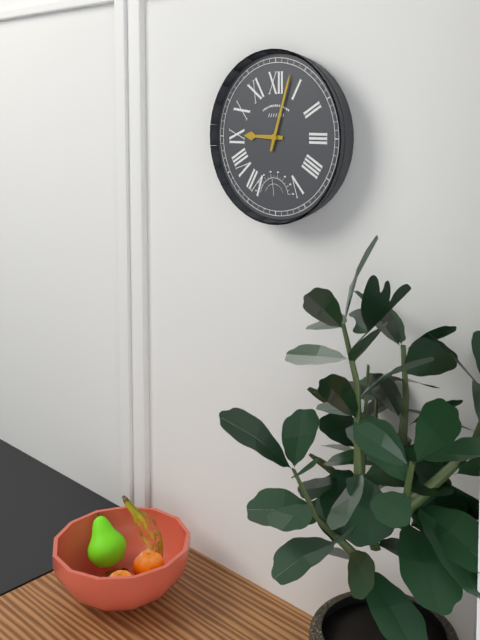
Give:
9h03
